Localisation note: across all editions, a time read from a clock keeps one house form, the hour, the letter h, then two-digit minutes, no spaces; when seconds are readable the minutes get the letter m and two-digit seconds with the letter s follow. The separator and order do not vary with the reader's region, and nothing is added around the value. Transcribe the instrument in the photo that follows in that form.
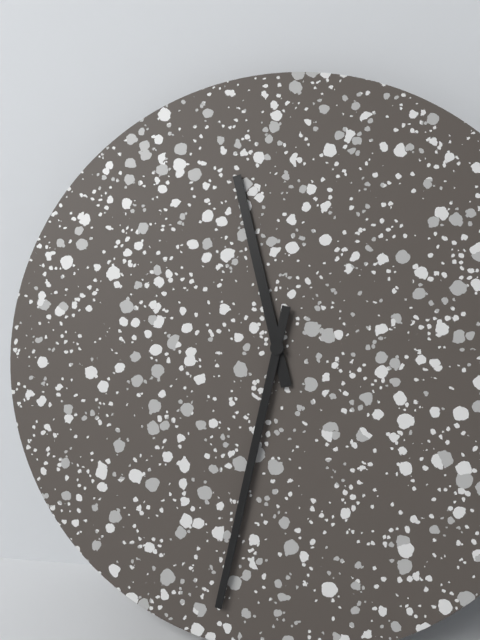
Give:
11h32
